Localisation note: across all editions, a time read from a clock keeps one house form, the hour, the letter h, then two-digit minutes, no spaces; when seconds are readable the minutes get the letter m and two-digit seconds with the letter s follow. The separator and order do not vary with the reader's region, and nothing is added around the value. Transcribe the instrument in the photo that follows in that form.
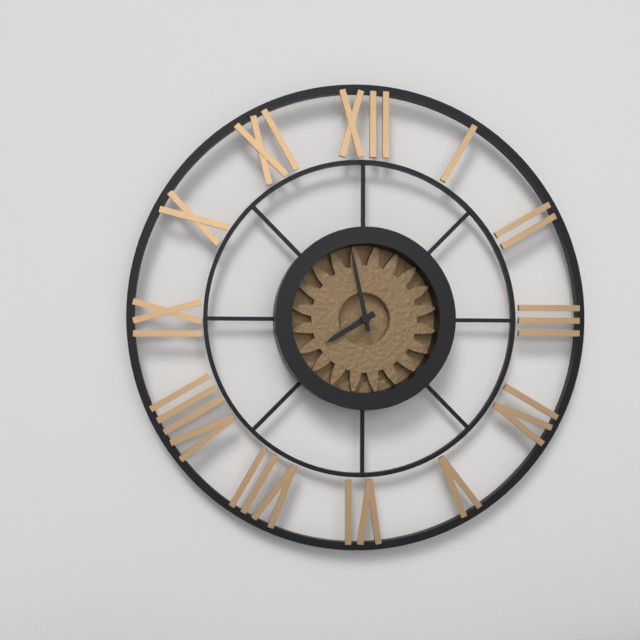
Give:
7h58
